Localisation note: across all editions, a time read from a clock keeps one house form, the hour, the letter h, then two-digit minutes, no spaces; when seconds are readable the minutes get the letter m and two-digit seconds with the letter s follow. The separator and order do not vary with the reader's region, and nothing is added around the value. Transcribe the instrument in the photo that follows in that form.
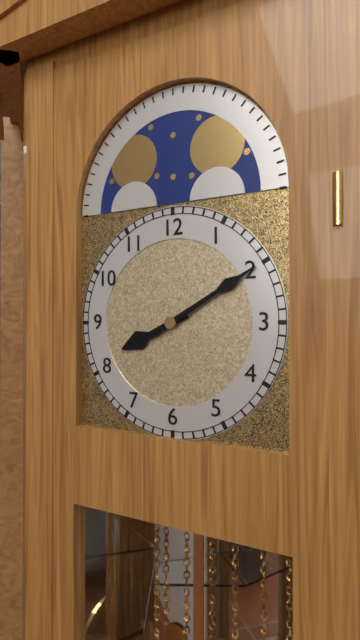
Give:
8h10
